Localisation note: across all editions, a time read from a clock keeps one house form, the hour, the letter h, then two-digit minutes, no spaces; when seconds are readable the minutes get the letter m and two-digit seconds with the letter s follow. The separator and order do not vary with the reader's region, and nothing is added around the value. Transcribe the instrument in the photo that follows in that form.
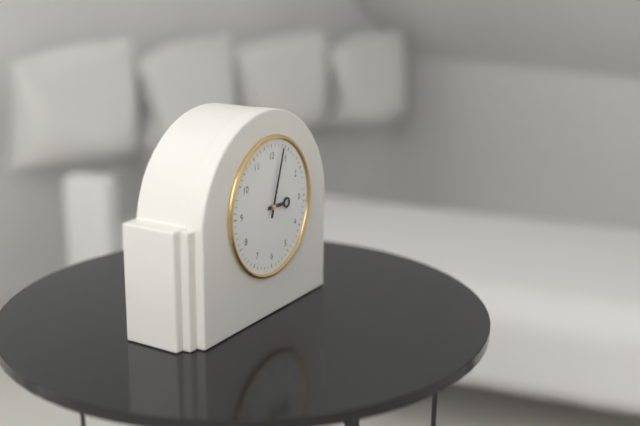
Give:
3h03
